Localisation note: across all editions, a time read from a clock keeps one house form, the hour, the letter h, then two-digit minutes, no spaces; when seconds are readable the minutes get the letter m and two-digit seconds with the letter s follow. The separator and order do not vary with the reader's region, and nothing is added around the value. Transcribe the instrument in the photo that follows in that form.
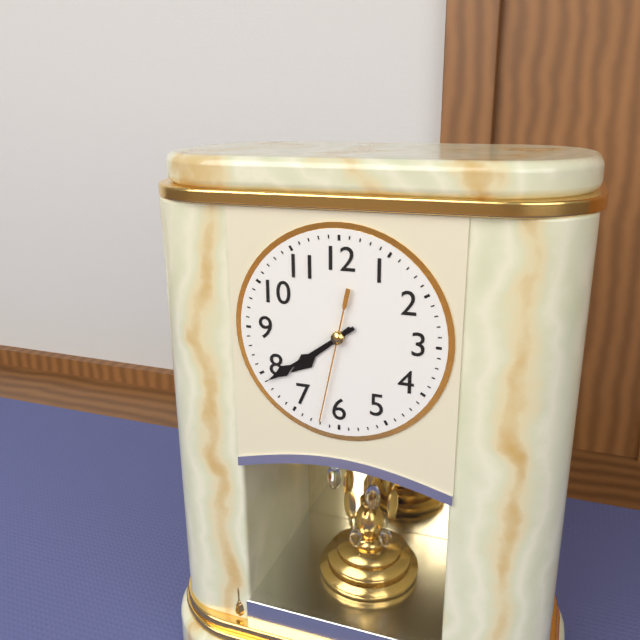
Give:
7h39m32s
